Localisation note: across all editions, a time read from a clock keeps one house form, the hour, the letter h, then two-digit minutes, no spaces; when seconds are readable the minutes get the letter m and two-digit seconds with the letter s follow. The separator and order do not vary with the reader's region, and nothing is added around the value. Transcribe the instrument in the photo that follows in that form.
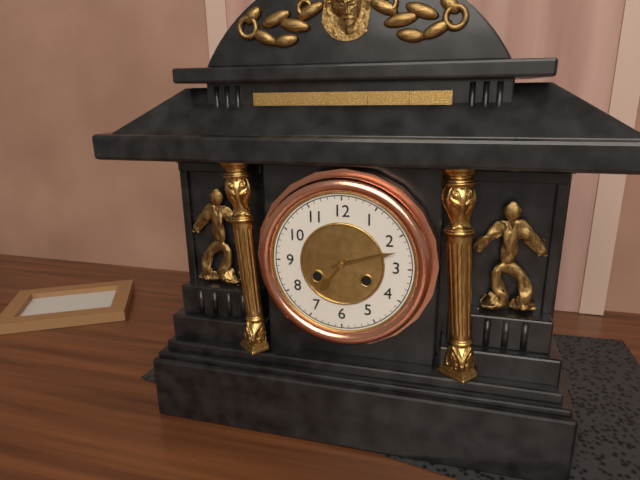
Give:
7h12
